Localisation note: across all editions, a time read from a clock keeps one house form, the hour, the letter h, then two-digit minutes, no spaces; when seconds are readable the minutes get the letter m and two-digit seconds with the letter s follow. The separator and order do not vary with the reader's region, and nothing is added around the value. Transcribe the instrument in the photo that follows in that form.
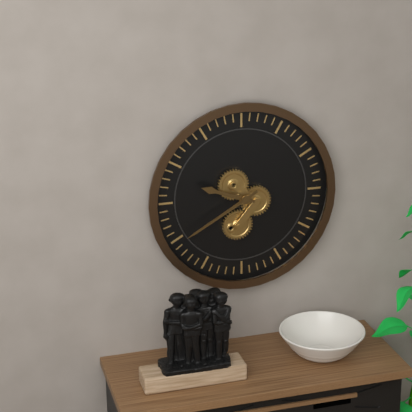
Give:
9h40
